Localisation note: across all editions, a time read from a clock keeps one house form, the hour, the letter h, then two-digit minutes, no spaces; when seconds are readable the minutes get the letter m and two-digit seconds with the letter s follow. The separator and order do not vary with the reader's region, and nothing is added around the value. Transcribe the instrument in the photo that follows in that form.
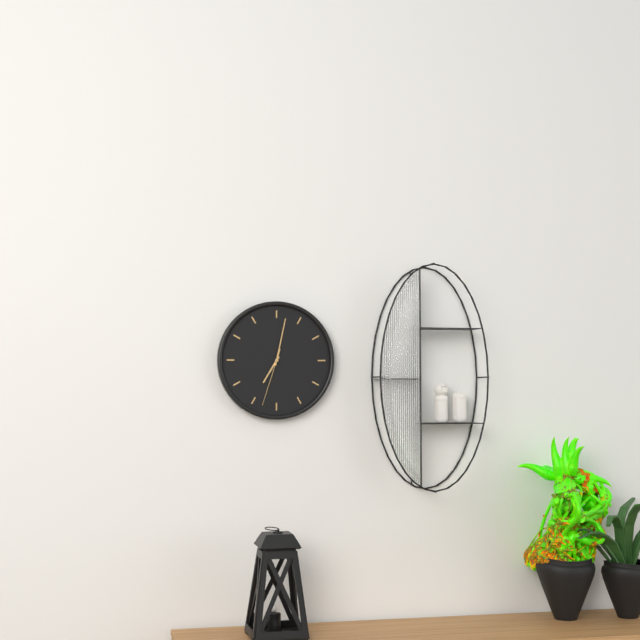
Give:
7h02m33s
